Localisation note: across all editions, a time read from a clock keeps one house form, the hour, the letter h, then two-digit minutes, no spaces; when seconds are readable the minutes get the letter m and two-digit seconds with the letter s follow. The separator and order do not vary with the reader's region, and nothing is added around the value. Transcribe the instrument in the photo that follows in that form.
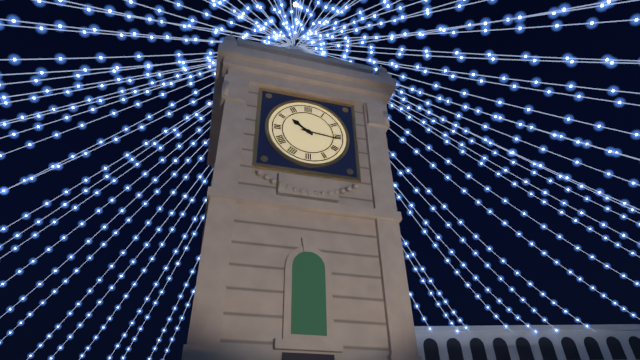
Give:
10h16
